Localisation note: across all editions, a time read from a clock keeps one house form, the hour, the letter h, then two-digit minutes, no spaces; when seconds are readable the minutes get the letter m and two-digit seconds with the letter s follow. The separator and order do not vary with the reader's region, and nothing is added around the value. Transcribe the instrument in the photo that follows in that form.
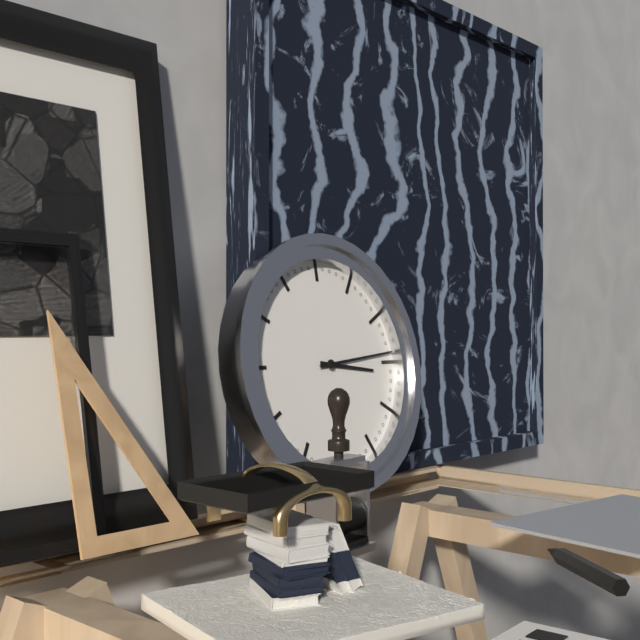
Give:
3h14
